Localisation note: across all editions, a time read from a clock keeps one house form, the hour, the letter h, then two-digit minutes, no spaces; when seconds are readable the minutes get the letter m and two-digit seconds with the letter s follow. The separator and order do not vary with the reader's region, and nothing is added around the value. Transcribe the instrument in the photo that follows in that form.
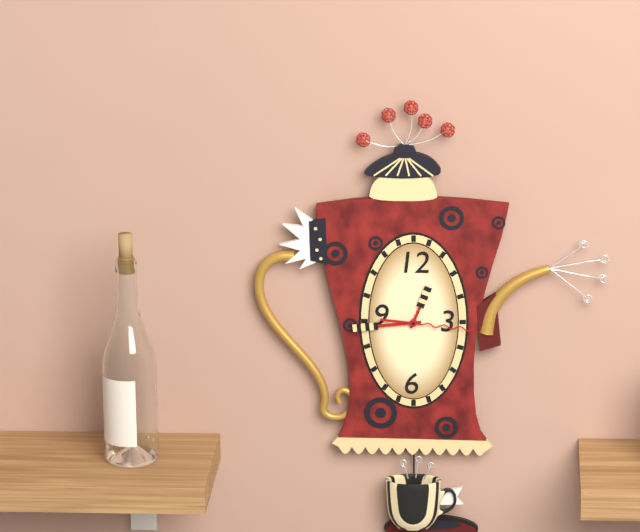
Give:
12h44m16s
